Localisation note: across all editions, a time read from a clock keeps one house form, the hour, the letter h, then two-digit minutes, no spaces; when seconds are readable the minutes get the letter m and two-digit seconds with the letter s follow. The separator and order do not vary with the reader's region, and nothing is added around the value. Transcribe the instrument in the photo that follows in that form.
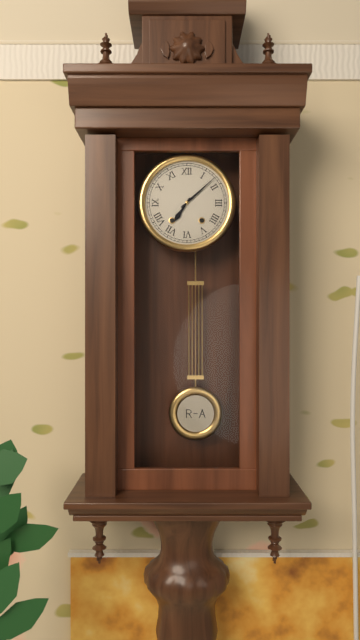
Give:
7h08
